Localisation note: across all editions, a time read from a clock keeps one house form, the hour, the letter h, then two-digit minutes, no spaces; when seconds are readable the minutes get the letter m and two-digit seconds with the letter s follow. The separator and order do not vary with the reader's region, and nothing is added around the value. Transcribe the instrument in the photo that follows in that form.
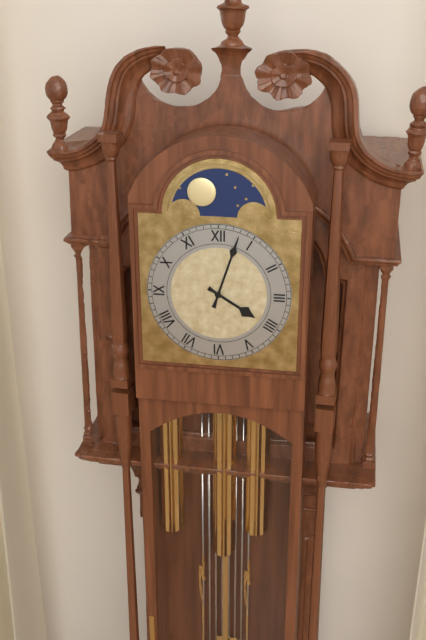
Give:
4h03
